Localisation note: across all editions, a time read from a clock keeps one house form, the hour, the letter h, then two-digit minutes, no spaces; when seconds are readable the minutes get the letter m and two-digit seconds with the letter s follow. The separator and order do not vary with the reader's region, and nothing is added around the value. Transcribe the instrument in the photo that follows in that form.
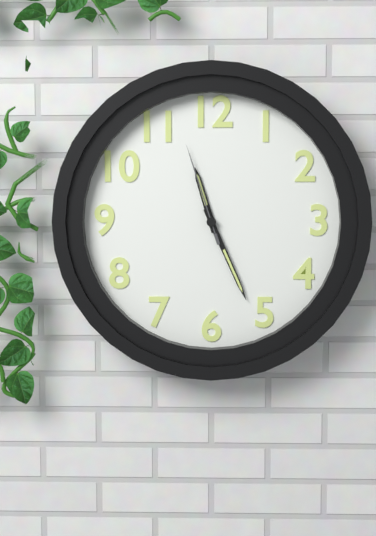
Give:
11h26m57s
